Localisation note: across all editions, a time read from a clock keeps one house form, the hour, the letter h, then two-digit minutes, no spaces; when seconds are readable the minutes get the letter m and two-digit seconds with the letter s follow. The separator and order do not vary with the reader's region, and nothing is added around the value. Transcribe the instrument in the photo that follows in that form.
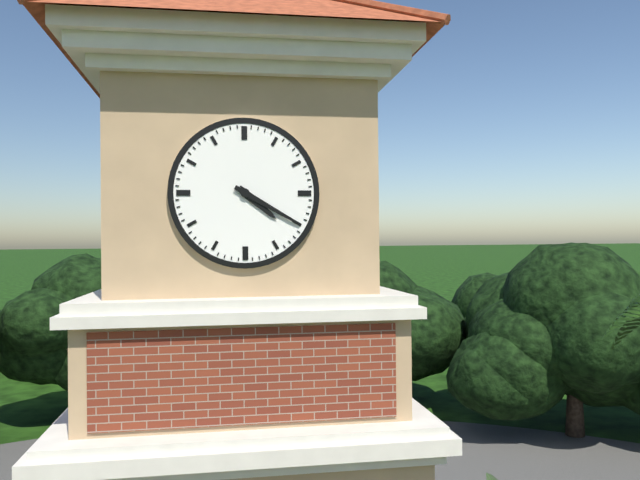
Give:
4h20
